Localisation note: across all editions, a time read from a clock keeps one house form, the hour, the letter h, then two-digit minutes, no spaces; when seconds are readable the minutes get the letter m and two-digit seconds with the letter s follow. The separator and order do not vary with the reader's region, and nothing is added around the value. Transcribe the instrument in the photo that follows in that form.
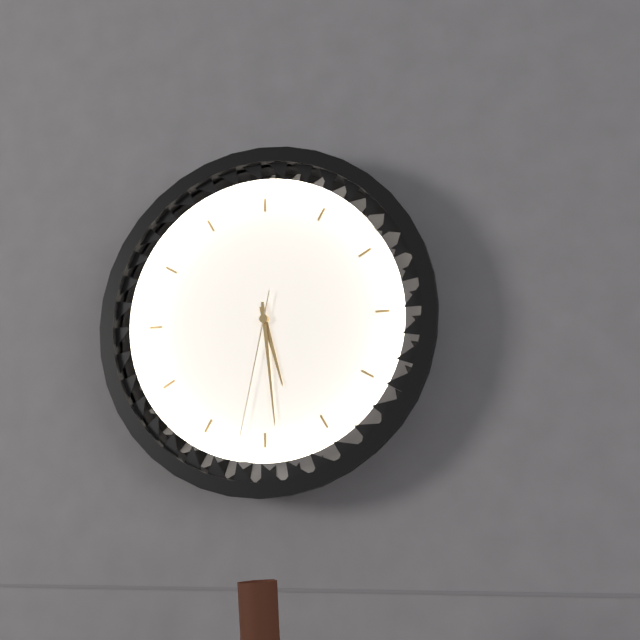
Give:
5h29m32s
